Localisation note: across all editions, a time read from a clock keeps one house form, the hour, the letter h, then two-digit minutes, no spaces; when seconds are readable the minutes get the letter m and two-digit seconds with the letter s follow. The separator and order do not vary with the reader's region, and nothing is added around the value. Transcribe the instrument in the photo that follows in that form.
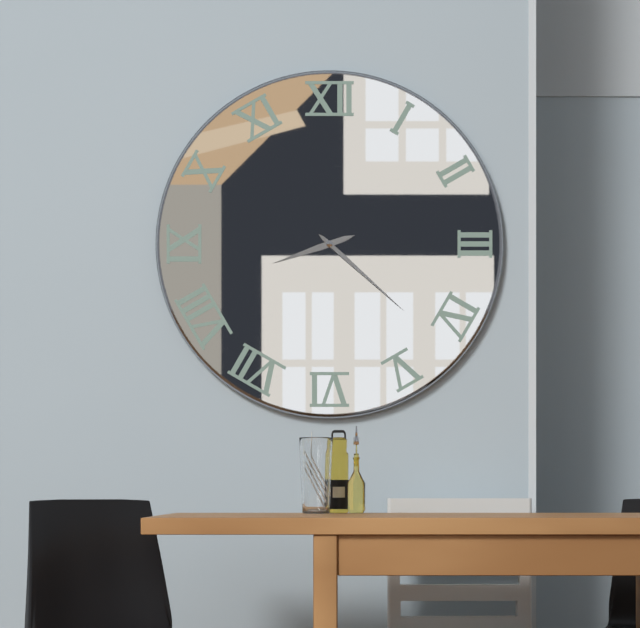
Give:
8h22
